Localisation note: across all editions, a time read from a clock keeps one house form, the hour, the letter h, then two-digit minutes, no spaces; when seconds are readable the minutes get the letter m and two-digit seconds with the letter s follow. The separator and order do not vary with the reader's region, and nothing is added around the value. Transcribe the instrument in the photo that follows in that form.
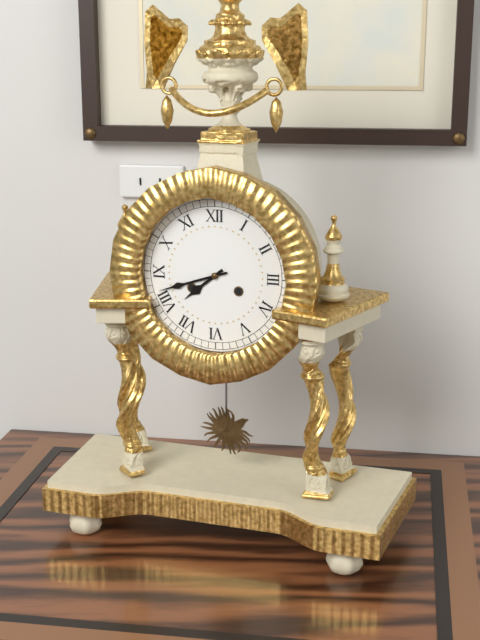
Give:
7h42
